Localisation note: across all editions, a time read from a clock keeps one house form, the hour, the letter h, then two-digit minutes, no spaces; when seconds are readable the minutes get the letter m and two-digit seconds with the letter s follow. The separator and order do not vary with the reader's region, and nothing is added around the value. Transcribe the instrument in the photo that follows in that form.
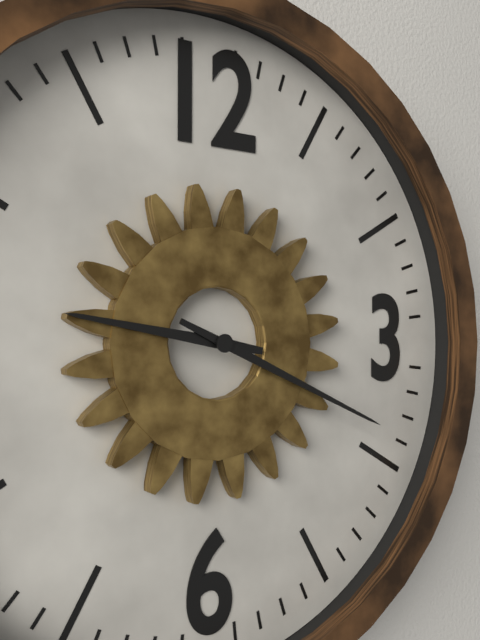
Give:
9h19
